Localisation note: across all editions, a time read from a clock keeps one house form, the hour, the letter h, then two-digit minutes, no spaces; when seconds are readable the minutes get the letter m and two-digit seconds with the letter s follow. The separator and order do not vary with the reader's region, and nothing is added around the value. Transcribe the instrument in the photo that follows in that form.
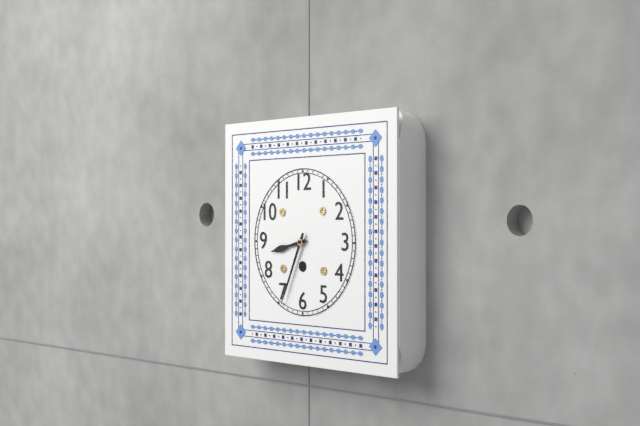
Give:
8h34
